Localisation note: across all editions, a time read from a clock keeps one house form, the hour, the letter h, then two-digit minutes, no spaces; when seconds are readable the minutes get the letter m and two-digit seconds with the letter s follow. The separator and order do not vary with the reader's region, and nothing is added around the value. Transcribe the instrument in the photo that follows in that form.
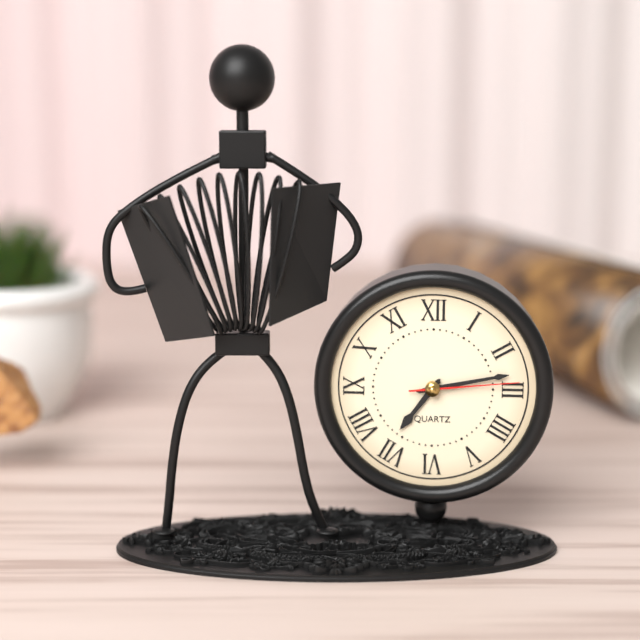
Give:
7h13m14s
